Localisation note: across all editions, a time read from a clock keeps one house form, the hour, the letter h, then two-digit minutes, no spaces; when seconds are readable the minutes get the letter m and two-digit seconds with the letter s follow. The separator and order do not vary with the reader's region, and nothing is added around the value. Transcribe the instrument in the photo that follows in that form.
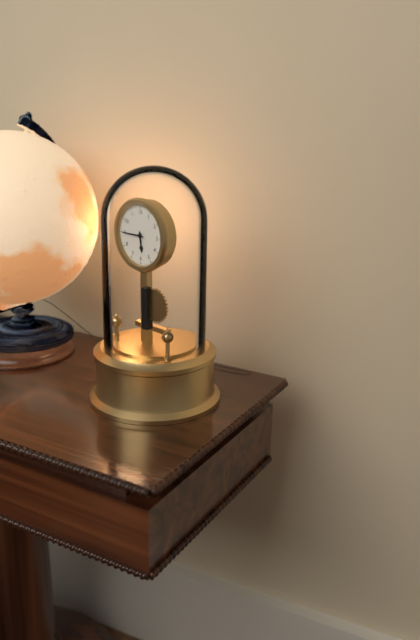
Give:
5h45
